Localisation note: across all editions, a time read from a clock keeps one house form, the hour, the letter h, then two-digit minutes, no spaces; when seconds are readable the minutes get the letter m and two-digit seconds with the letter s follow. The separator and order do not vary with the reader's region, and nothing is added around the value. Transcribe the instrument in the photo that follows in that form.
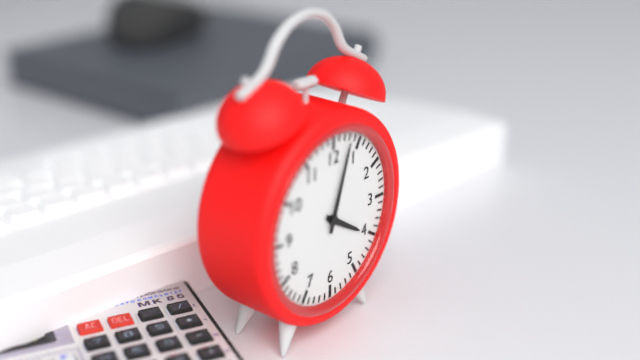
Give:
4h03
